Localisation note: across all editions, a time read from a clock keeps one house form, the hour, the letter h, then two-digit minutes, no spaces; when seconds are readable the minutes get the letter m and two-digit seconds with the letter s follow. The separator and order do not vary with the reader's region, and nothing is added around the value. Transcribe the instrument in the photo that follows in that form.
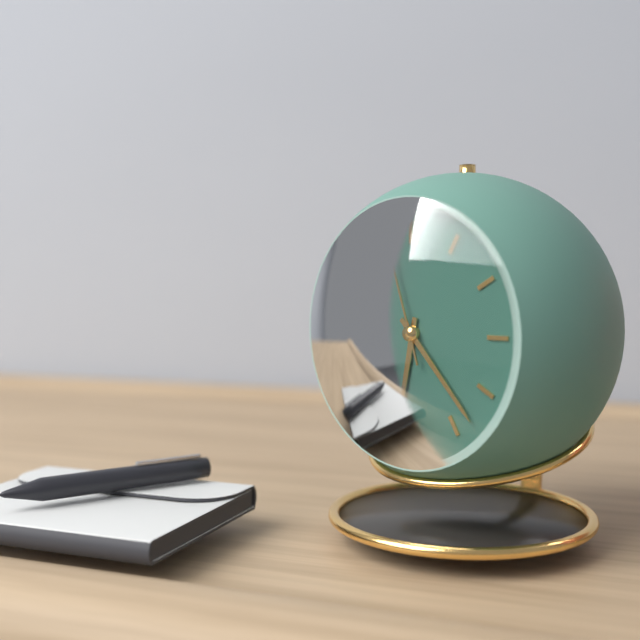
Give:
6h23m57s
